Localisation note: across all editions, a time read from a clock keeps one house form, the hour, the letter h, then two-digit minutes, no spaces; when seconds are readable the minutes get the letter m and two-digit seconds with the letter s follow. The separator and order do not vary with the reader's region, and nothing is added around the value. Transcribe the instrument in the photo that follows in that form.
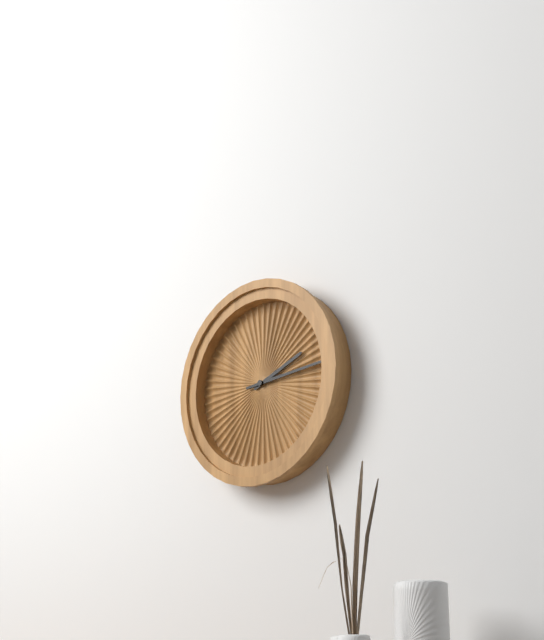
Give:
2h14
